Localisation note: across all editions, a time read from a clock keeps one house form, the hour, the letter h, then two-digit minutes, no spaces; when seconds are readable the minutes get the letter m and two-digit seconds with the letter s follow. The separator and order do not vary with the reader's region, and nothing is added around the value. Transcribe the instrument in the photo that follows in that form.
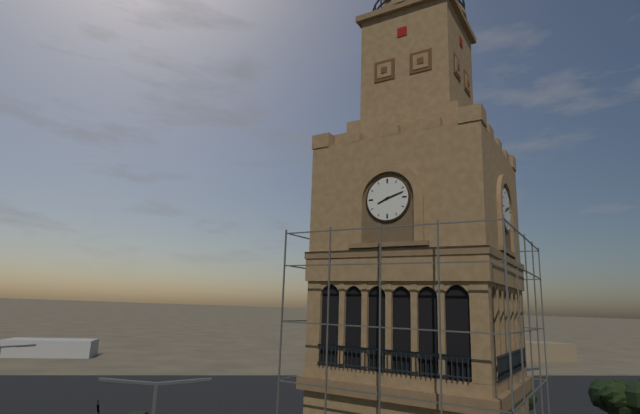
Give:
8h12
